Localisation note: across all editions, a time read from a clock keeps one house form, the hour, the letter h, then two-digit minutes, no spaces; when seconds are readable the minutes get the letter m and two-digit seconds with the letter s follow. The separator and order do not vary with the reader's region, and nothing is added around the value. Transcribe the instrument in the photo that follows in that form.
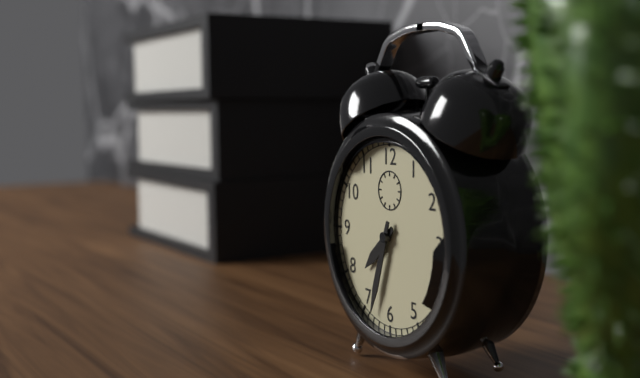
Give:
7h33
